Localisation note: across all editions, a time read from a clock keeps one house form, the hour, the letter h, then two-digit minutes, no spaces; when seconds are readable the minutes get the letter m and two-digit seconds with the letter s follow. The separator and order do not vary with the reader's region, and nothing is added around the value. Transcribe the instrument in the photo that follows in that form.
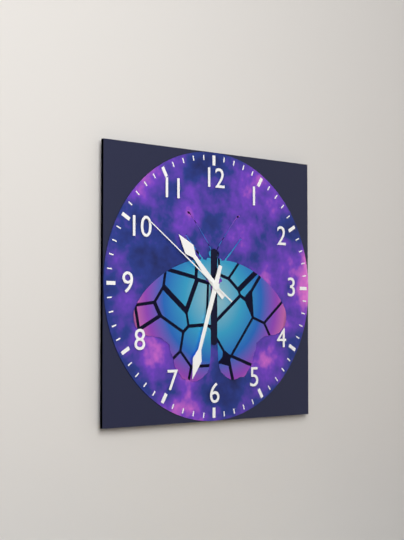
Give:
10h33m51s
